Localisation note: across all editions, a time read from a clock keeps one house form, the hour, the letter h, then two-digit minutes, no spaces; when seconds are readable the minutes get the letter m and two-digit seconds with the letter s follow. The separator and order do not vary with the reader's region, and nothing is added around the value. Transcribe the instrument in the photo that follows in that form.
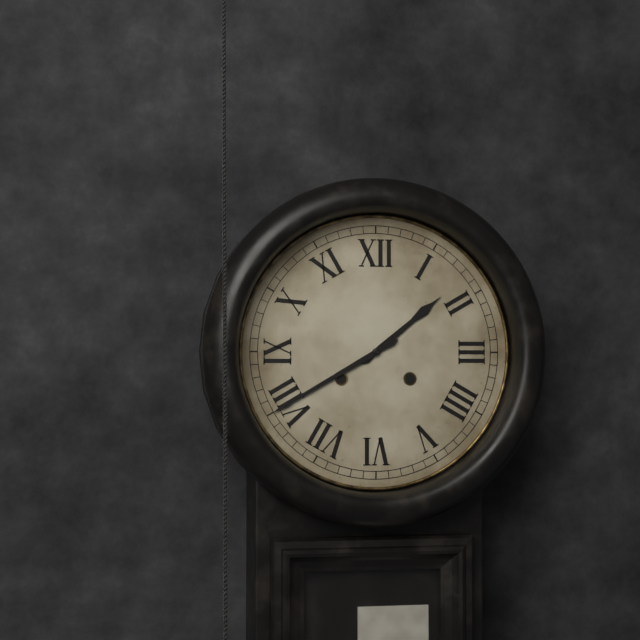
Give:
1h40
